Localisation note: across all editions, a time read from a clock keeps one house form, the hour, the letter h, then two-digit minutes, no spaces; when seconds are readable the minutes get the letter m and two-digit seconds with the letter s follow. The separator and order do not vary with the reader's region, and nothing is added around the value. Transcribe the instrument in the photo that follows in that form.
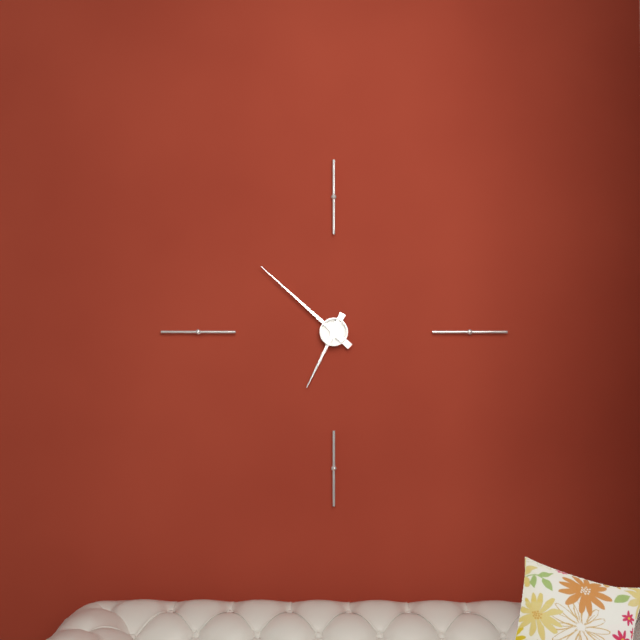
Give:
6h52
